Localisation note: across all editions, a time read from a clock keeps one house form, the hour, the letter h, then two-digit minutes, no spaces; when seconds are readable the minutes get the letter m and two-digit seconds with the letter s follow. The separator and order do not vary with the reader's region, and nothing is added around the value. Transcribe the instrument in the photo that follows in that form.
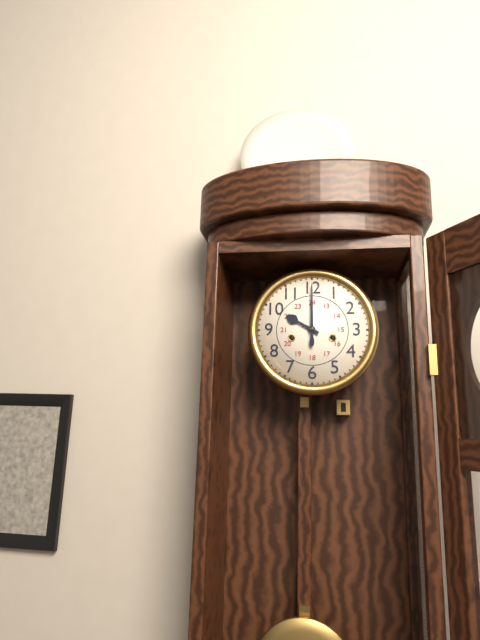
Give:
10h00
